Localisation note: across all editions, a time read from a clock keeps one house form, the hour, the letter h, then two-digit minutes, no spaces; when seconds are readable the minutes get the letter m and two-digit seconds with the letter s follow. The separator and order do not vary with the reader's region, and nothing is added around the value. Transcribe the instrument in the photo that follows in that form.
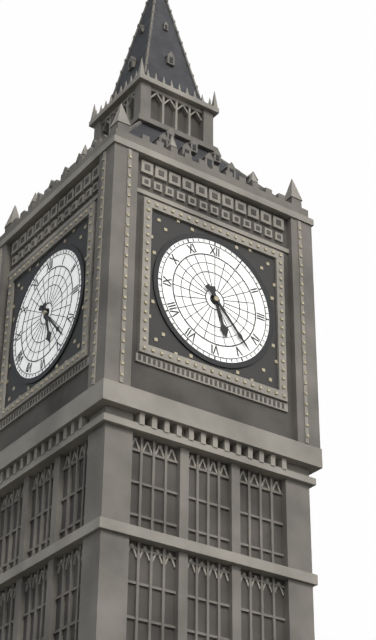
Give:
5h23
